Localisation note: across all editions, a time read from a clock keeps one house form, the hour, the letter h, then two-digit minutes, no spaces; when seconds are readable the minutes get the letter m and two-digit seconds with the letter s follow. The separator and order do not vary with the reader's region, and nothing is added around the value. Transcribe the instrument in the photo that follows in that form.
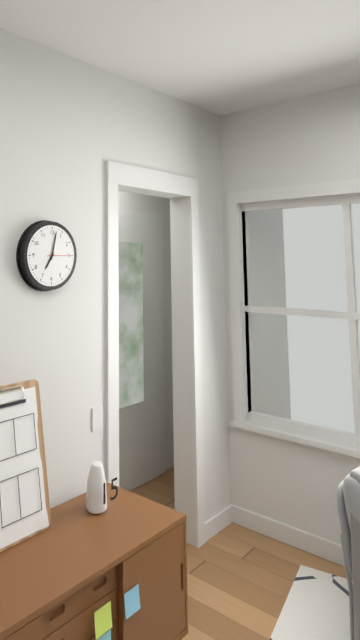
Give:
7h02
